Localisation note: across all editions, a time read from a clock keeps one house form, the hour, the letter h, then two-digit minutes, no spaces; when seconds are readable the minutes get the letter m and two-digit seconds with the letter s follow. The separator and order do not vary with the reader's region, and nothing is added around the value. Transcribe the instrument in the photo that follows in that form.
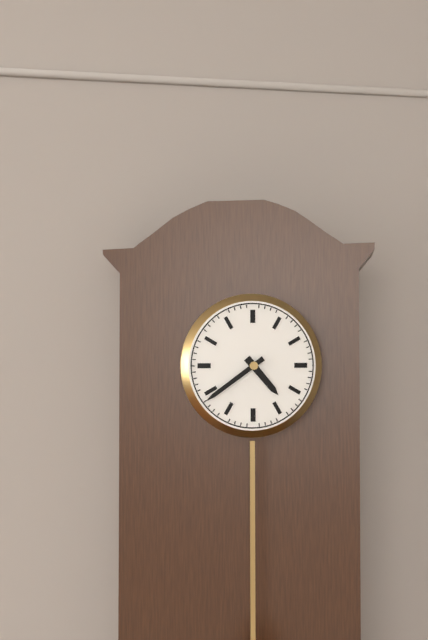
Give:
4h39
